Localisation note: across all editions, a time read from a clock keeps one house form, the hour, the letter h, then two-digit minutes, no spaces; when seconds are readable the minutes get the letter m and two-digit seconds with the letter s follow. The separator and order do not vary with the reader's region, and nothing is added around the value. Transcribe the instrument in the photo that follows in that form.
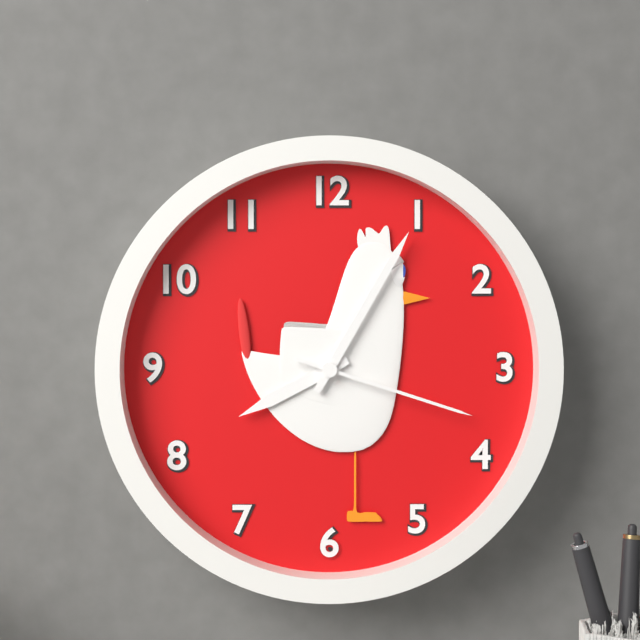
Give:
8h05m18s
